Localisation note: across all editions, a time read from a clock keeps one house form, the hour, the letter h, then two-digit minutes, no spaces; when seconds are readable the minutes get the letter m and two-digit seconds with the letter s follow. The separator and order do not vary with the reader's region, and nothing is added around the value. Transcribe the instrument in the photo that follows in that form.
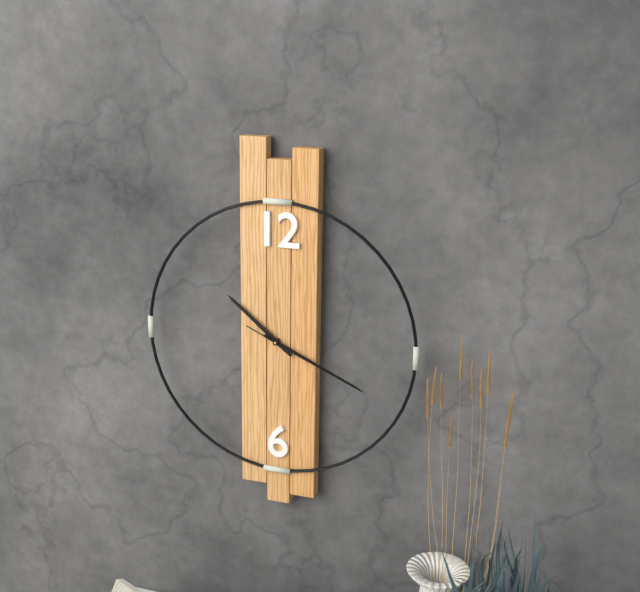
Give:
10h19m19s
